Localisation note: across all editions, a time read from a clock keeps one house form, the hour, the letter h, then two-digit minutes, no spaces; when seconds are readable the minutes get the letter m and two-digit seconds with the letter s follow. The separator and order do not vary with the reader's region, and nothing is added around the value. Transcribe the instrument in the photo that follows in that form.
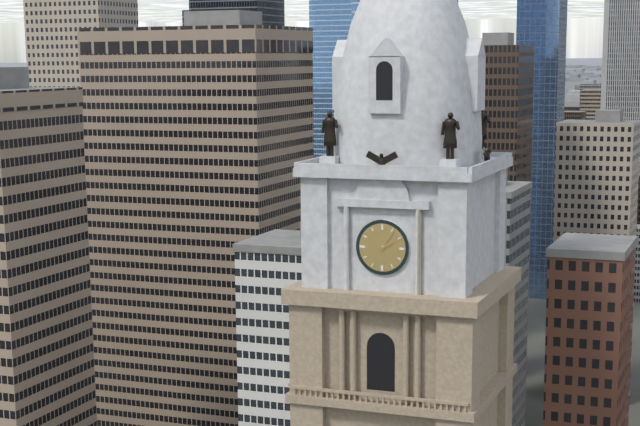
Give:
2h06
